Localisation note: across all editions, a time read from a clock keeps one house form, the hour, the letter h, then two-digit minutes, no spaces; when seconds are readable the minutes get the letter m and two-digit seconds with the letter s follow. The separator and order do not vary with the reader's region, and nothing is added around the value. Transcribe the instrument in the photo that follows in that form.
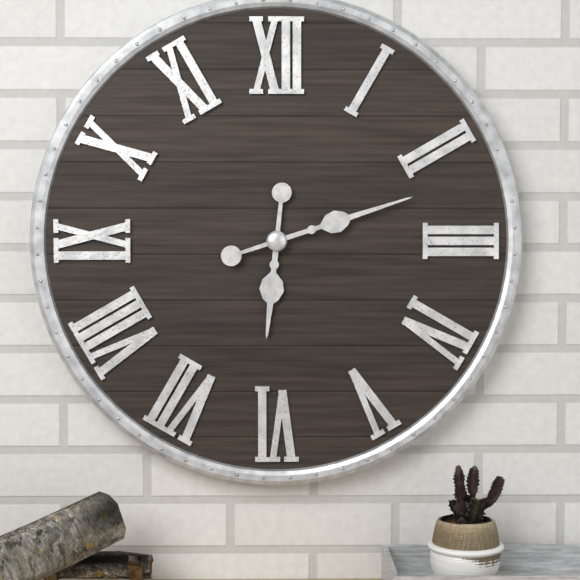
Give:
6h12
